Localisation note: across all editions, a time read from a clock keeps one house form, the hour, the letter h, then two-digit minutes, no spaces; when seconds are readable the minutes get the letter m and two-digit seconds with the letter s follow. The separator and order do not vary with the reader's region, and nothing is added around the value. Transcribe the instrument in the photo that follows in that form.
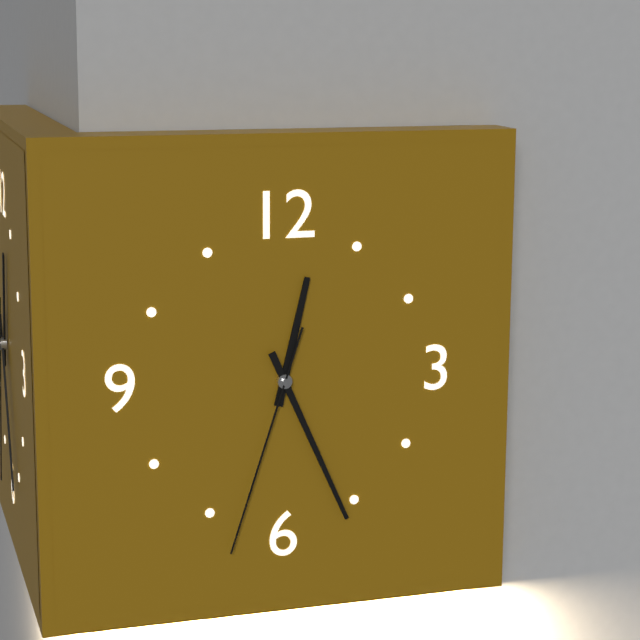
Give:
12h26m33s
